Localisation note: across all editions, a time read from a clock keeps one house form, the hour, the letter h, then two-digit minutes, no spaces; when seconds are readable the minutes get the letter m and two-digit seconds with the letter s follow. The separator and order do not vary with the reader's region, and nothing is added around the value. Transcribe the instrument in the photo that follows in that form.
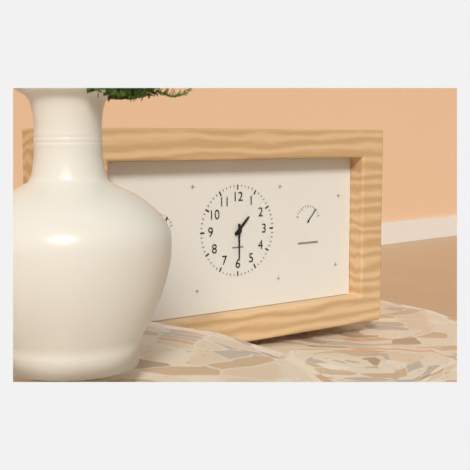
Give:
1h30
